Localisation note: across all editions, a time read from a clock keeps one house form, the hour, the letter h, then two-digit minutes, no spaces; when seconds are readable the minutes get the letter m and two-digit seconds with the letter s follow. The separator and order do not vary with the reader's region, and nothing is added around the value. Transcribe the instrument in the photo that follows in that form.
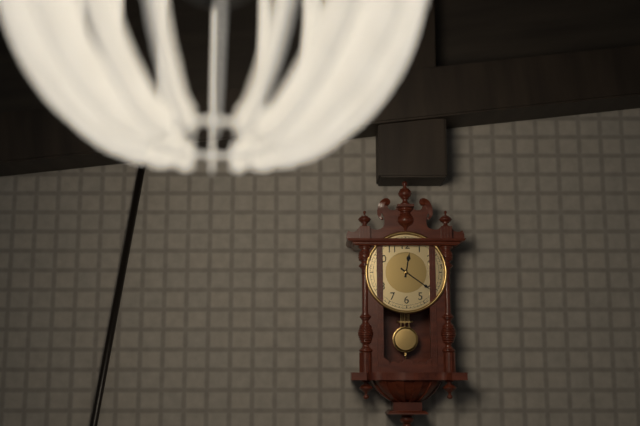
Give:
12h21
